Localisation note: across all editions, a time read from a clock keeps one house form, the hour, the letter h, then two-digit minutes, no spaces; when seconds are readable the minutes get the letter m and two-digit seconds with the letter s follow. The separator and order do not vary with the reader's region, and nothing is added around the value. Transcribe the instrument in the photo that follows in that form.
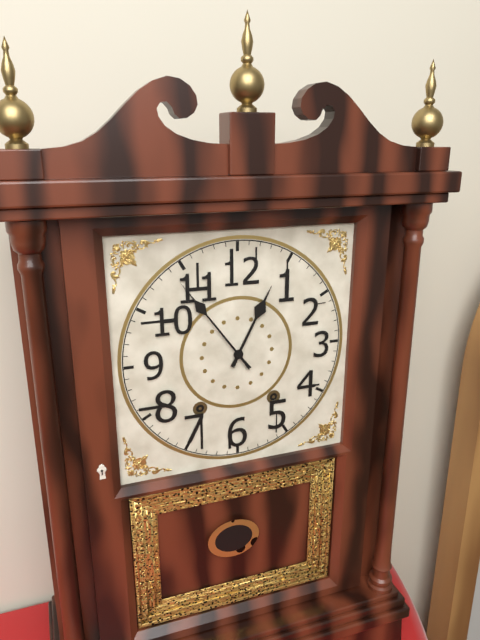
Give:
12h54
